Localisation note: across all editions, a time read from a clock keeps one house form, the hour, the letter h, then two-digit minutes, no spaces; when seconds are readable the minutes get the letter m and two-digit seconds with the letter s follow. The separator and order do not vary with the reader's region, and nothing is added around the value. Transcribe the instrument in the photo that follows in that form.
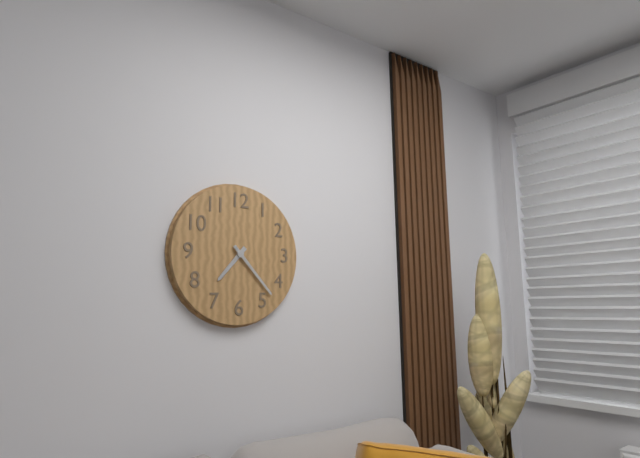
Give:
7h23
